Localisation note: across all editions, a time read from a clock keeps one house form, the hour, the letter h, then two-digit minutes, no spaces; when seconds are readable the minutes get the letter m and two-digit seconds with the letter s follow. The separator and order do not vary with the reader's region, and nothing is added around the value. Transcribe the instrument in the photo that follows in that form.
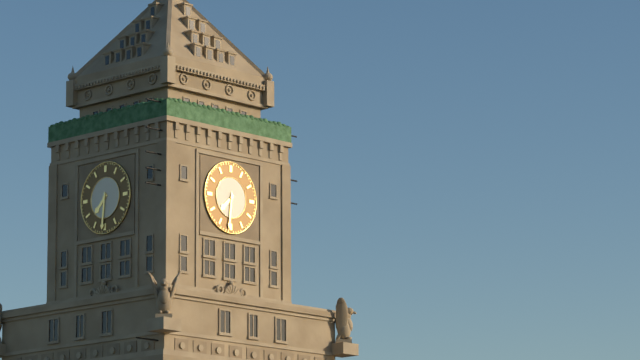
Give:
7h31
